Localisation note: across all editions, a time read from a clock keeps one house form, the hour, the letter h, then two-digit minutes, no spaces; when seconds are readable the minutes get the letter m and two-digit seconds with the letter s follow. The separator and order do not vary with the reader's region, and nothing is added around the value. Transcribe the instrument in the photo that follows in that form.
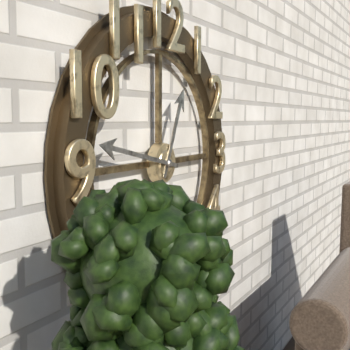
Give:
12h47
